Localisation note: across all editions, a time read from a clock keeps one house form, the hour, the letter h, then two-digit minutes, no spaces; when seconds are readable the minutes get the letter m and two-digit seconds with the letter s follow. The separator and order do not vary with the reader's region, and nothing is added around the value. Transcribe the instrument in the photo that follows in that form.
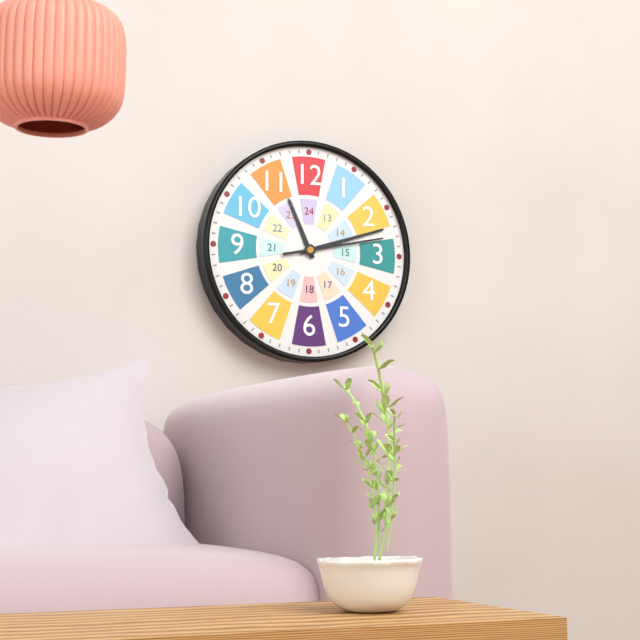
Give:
11h12m13s
